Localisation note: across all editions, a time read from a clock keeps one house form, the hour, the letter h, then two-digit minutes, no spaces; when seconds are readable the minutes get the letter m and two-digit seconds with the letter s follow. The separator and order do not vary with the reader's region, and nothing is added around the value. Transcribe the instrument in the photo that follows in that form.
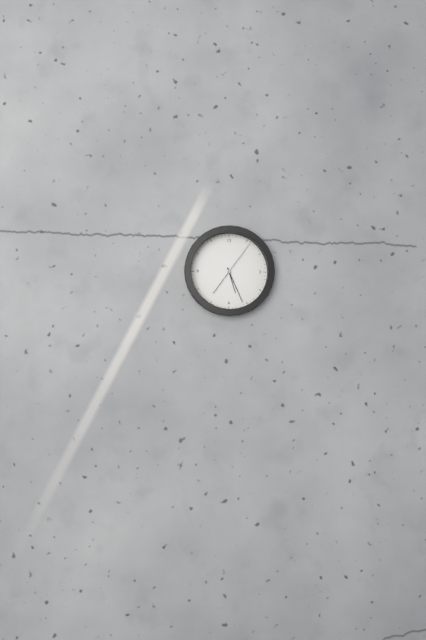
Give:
5h26
